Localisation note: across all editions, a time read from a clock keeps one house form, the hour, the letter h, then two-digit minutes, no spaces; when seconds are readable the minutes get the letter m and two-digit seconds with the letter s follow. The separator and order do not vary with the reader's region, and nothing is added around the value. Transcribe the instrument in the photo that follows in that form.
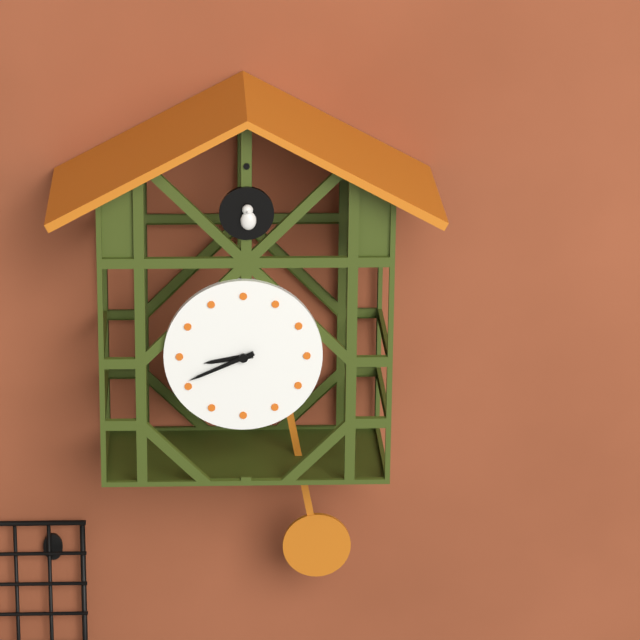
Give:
8h41
